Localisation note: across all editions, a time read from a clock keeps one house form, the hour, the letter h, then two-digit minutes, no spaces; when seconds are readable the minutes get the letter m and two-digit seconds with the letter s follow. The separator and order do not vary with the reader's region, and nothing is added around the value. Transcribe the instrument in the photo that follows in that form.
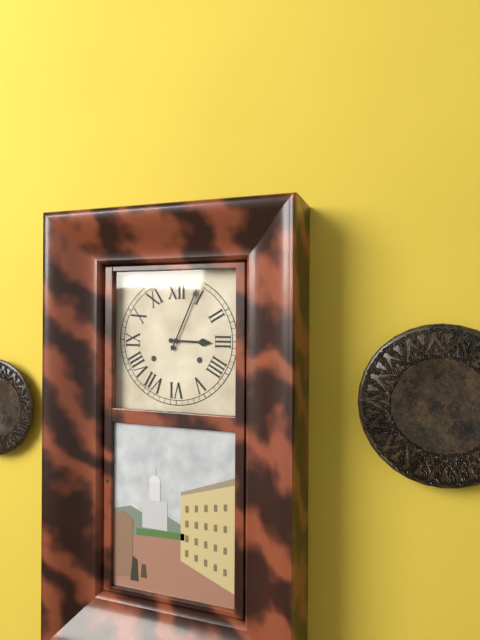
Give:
3h04
